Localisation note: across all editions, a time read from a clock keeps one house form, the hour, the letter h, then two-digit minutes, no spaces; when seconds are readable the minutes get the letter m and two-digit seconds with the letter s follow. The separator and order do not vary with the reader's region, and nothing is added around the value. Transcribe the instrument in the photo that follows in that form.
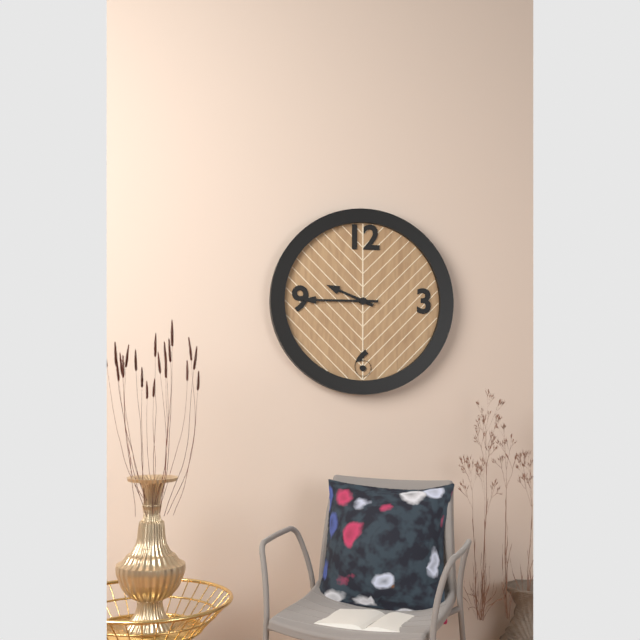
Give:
9h45
